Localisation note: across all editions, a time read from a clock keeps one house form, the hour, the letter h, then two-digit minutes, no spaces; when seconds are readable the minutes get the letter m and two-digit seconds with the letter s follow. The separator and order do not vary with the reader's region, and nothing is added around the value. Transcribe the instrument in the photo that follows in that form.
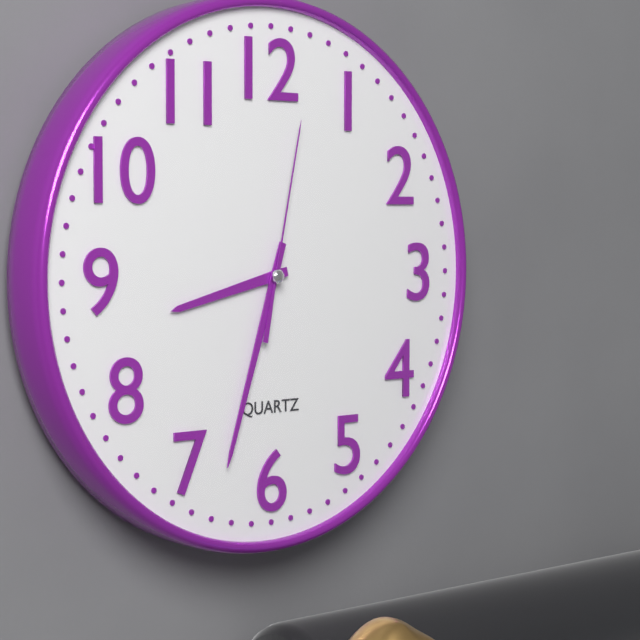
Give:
8h33m02s
